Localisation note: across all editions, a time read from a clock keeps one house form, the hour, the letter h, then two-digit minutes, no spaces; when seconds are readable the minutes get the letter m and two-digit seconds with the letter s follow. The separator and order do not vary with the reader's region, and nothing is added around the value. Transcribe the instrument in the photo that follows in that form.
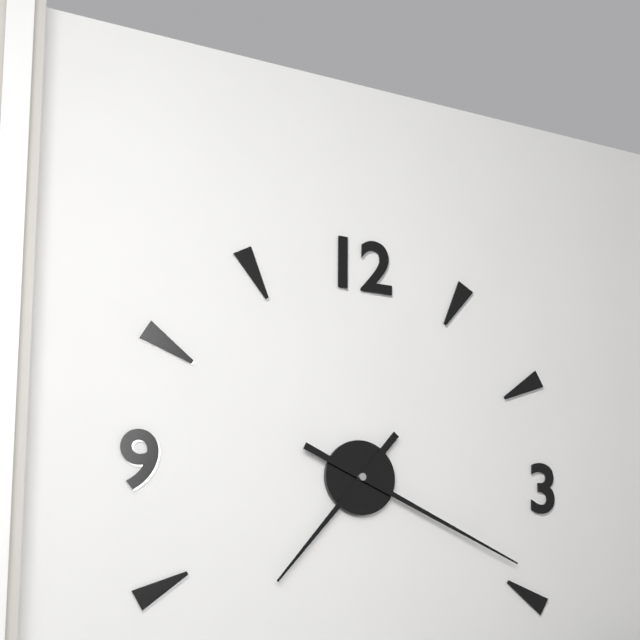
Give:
7h19
